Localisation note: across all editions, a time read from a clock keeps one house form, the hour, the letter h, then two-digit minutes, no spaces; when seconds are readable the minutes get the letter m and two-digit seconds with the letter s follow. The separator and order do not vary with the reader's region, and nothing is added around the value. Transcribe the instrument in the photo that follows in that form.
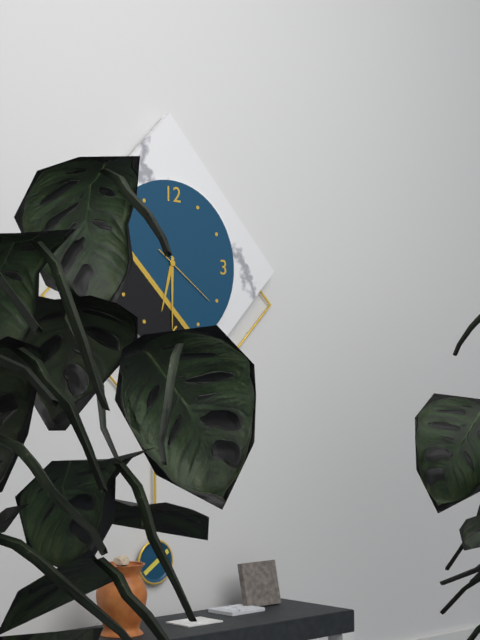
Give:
6h30m21s
